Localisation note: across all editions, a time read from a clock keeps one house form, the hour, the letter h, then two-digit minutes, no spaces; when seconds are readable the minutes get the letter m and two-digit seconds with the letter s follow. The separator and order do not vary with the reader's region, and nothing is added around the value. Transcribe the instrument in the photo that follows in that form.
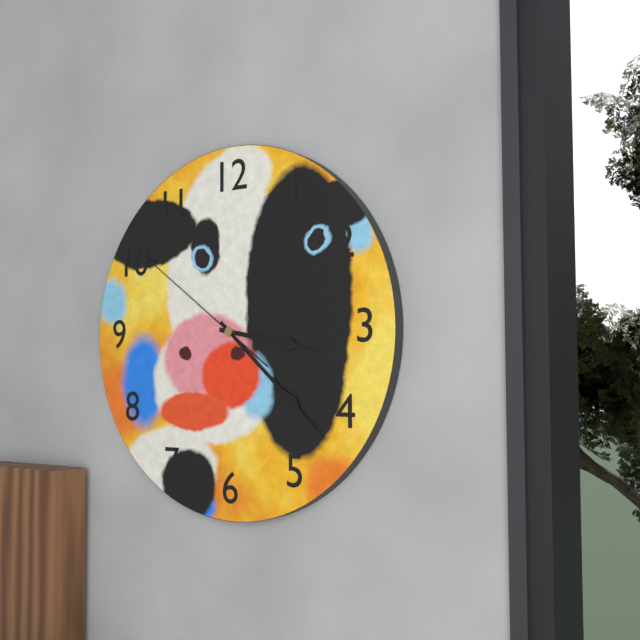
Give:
3h22m51s
